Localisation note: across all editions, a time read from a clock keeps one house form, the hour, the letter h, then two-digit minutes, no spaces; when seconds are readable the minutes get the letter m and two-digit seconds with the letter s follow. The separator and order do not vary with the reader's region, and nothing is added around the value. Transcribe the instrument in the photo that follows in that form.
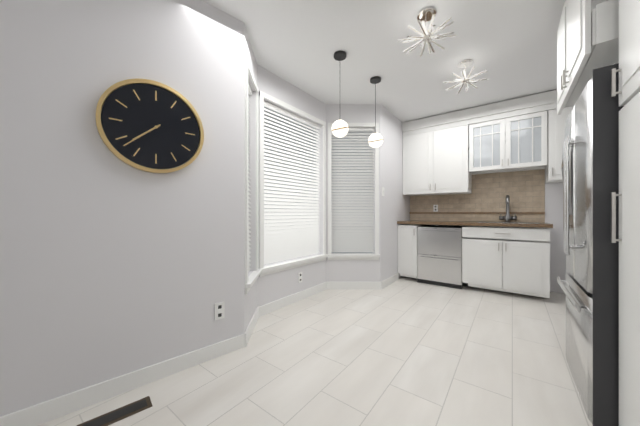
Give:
7h38
